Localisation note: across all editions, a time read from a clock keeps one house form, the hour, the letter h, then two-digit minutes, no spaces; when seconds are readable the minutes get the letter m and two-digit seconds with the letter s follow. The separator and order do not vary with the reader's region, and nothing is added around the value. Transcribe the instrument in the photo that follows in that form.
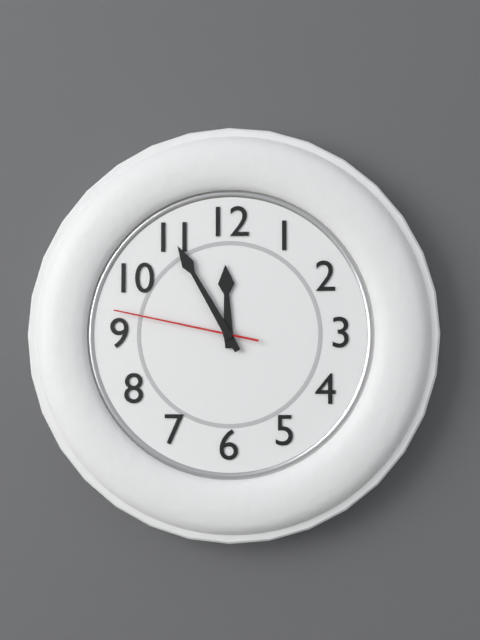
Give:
11h55m47s
